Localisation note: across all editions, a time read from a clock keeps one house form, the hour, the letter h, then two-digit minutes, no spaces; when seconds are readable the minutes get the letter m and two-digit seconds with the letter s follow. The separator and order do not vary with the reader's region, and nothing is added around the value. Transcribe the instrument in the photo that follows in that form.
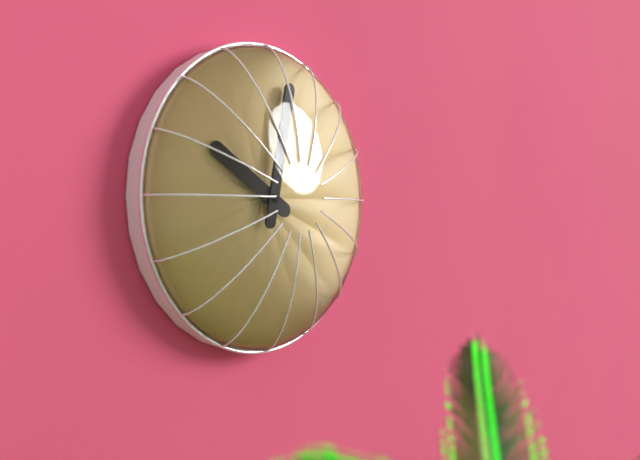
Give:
10h02
